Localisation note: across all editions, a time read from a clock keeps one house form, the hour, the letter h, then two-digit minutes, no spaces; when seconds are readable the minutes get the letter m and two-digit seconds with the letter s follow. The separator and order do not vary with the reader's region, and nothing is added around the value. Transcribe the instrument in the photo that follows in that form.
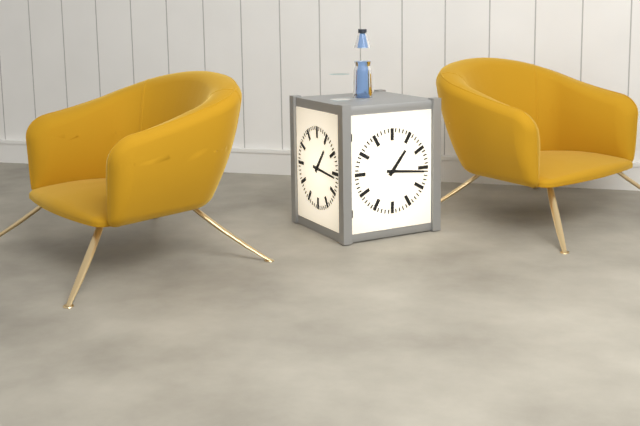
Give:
1h16
